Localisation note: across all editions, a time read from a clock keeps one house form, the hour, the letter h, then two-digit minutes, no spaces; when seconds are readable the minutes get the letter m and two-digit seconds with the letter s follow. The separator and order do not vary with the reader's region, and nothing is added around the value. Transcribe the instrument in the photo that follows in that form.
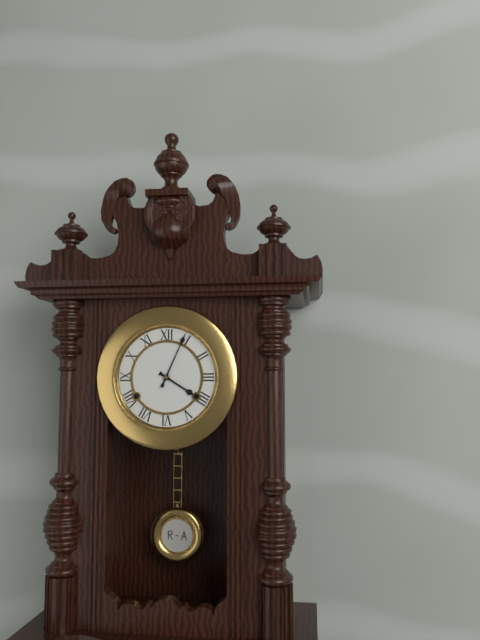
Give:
4h04
